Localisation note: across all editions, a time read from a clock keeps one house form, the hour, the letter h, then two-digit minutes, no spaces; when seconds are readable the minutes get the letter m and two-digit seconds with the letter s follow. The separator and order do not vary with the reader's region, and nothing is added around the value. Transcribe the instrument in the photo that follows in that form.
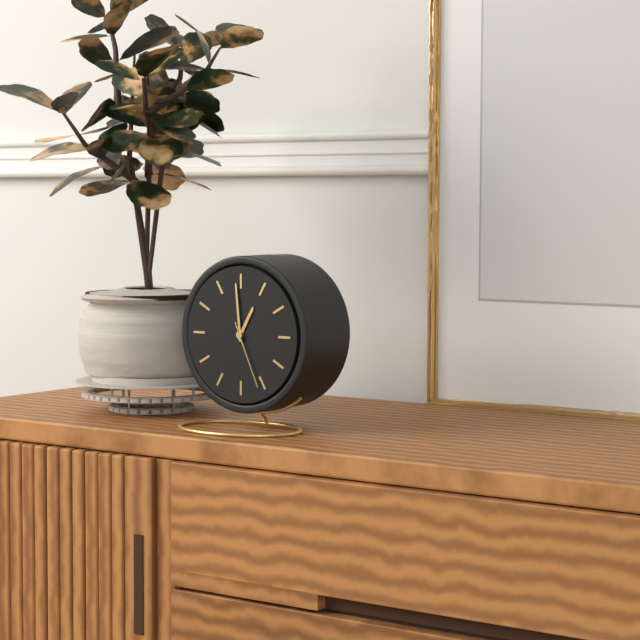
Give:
12h59m26s
